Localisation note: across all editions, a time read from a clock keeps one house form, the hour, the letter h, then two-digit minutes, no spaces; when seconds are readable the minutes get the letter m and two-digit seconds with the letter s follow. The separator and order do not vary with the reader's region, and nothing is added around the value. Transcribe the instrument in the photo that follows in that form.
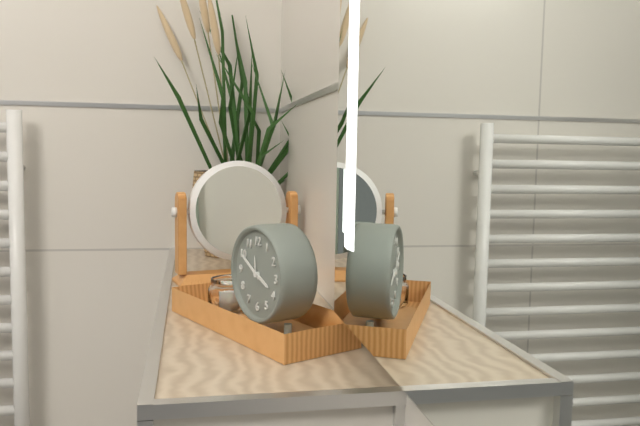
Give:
3h50
